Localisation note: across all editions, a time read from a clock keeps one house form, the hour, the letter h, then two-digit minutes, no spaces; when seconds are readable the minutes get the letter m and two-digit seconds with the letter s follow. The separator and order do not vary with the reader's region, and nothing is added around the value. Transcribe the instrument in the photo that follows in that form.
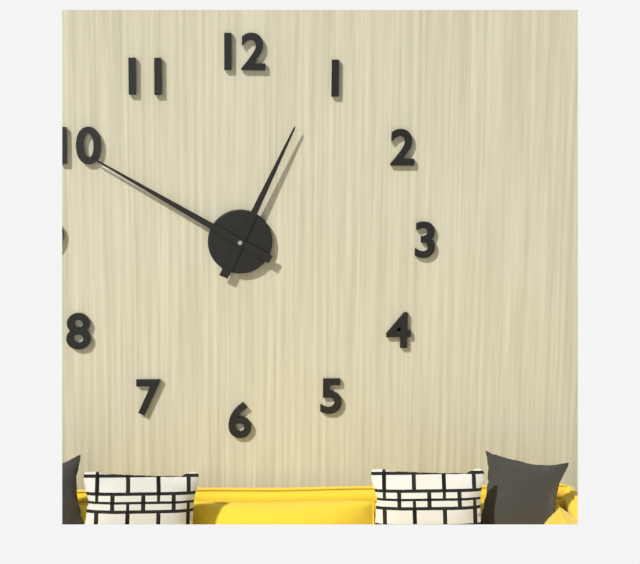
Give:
12h50
